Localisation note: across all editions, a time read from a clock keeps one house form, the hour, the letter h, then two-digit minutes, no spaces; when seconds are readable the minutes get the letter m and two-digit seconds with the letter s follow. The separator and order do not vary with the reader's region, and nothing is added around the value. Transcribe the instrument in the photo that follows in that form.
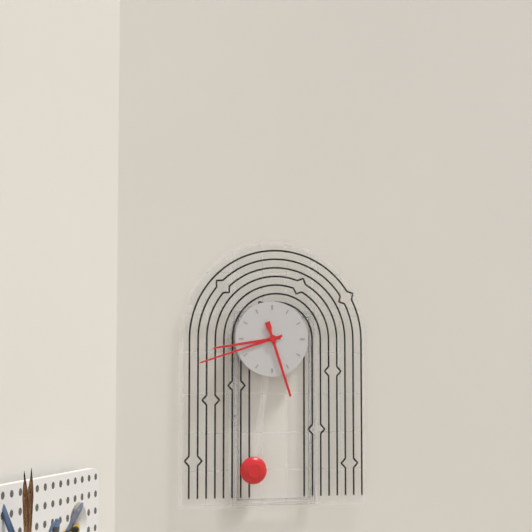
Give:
8h42m27s
